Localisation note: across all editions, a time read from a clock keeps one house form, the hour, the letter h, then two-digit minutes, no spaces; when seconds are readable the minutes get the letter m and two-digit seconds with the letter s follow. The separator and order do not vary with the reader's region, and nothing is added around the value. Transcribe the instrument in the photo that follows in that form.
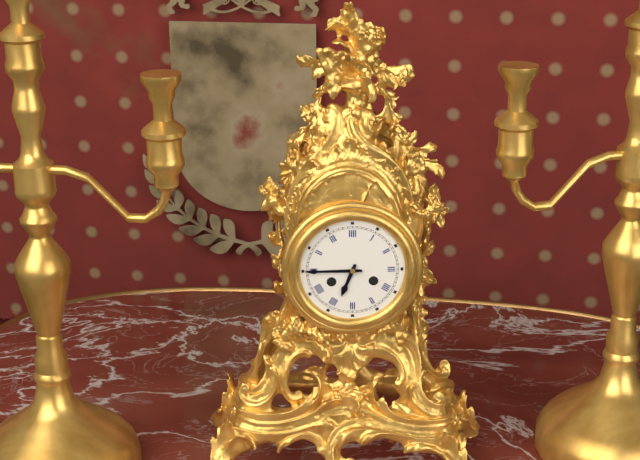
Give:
6h45
